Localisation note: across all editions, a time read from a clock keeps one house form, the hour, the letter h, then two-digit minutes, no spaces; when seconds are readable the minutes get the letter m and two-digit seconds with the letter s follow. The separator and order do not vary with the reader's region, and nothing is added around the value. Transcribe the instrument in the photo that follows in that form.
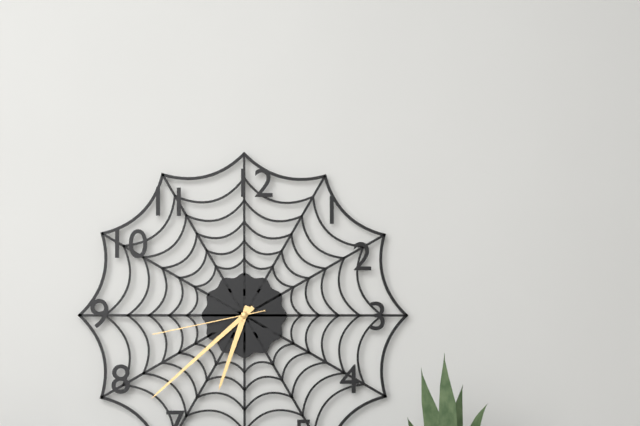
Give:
6h38m43s
